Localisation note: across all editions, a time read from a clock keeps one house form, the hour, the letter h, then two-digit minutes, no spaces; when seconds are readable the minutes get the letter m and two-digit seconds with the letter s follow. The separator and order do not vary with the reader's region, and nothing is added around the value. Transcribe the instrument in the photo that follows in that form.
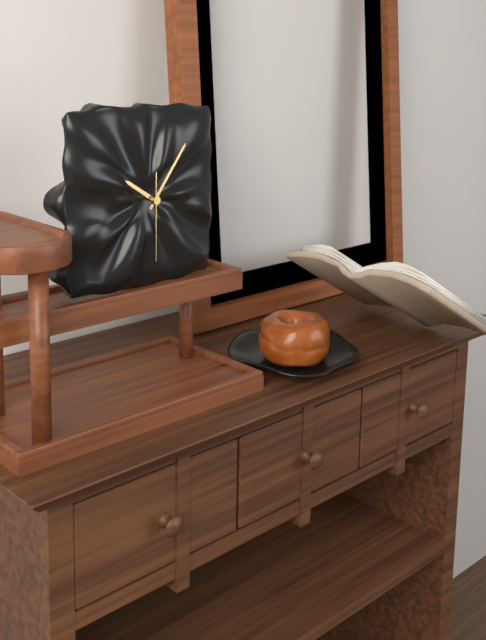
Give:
10h06m30s
